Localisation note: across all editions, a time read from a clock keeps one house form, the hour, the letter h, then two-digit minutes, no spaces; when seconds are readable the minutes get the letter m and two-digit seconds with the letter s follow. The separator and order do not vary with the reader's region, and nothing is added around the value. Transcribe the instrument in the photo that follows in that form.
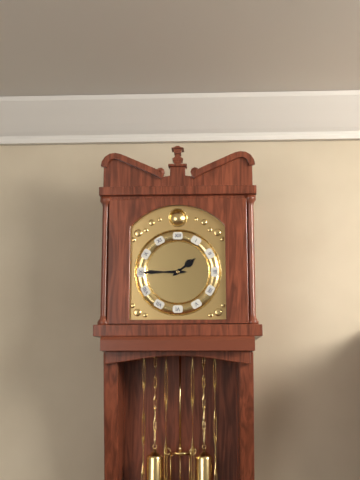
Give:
1h45
